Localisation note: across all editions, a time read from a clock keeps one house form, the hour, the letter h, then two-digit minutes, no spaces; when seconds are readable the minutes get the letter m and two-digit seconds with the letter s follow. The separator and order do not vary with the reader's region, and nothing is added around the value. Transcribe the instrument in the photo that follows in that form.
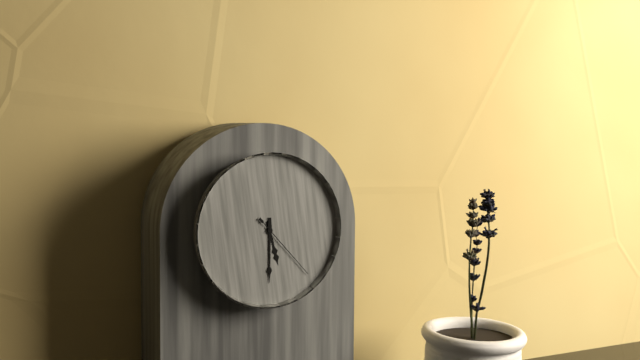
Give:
5h30m23s
